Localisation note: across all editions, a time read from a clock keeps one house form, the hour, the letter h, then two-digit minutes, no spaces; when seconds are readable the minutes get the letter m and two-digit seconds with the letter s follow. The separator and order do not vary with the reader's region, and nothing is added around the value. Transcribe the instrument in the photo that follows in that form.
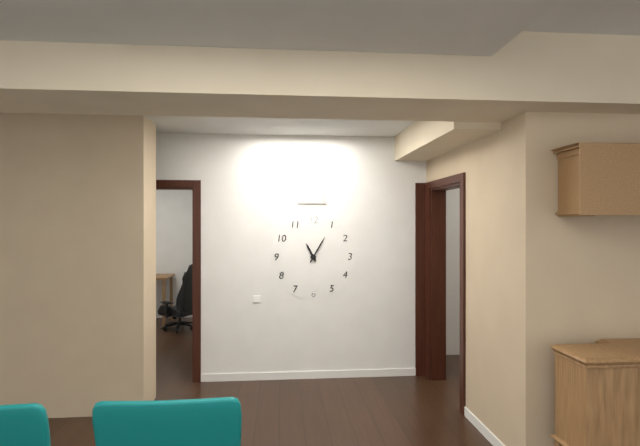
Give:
11h05
